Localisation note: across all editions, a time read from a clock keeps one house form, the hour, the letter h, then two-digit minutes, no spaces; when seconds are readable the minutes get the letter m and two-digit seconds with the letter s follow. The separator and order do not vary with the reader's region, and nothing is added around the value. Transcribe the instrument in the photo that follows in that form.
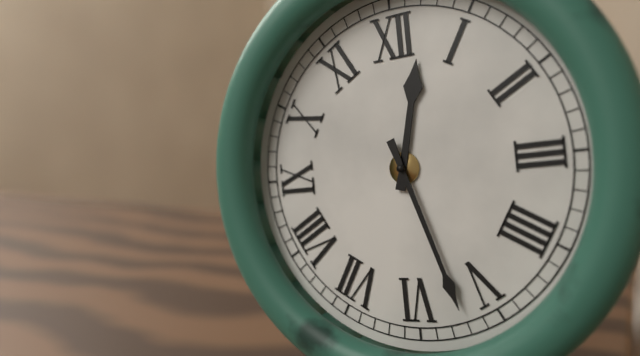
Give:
12h27
